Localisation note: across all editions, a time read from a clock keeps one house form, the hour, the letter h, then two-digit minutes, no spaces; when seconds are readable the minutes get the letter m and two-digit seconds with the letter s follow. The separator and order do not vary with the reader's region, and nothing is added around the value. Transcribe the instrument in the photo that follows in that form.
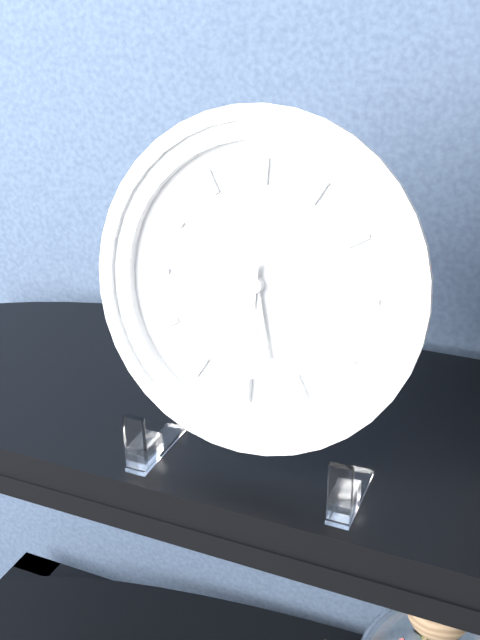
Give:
5h30
